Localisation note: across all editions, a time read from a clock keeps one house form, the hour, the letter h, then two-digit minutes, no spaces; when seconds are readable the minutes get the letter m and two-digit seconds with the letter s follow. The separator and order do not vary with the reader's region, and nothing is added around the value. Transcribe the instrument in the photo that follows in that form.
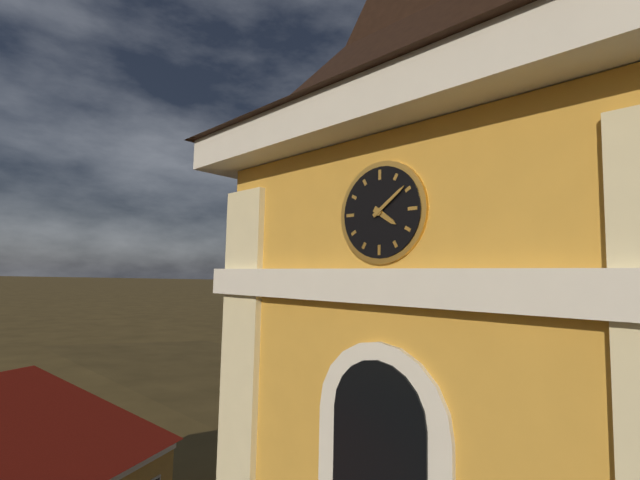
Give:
4h09
